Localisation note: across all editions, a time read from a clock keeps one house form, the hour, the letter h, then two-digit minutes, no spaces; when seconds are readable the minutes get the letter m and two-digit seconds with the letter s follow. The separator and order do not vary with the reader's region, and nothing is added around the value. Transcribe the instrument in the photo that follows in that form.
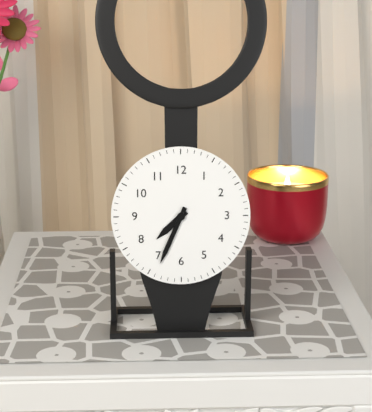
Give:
7h34
